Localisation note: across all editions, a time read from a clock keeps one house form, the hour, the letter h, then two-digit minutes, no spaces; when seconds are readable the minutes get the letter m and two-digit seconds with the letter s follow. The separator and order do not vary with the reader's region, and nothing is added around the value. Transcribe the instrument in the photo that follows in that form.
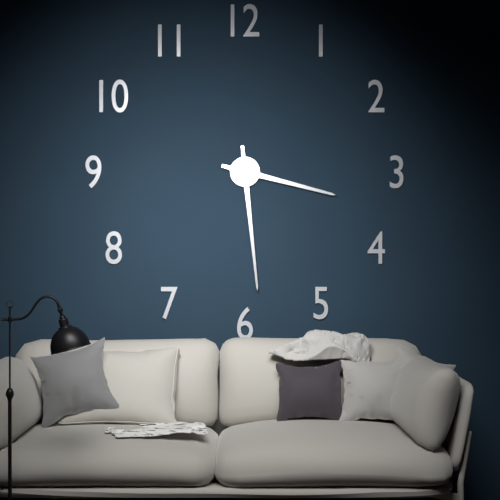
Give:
3h29
